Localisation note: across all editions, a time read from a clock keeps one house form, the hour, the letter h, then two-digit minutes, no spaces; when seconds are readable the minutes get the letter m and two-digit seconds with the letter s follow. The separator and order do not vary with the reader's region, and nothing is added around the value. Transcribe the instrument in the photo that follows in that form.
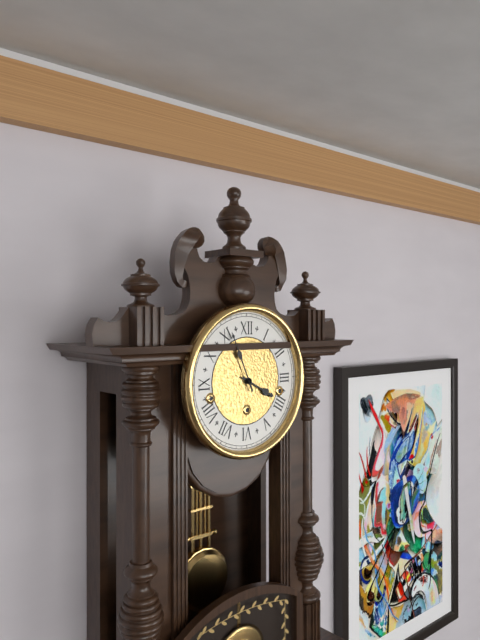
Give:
3h56
